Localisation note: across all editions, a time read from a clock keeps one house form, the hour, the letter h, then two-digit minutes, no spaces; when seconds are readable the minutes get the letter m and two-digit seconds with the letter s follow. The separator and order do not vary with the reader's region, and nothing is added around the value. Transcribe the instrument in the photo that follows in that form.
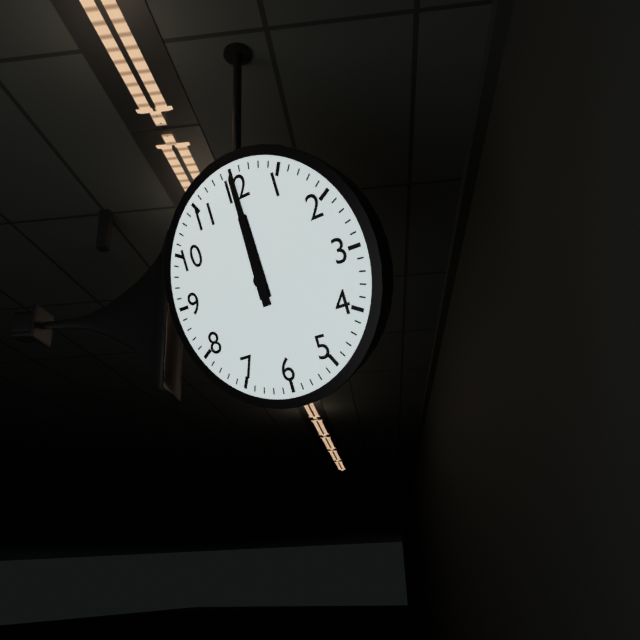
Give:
12h00
